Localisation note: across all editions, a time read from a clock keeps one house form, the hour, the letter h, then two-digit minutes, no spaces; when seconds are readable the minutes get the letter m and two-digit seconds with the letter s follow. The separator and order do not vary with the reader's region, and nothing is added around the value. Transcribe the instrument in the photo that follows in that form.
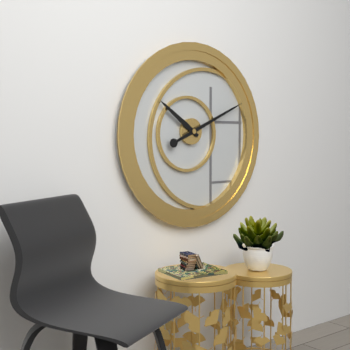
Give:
10h11
